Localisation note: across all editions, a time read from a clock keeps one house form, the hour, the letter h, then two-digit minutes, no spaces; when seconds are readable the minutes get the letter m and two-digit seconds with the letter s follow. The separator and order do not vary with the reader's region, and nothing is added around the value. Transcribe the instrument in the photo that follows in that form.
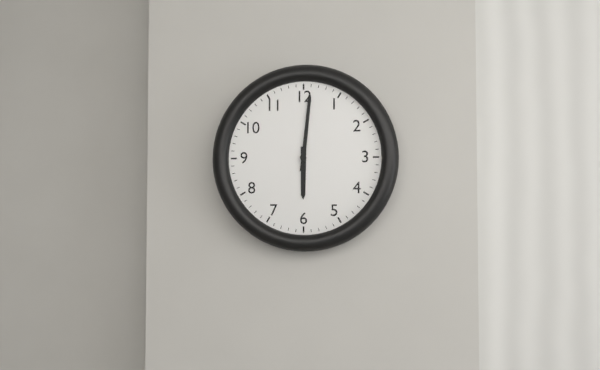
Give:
6h01
